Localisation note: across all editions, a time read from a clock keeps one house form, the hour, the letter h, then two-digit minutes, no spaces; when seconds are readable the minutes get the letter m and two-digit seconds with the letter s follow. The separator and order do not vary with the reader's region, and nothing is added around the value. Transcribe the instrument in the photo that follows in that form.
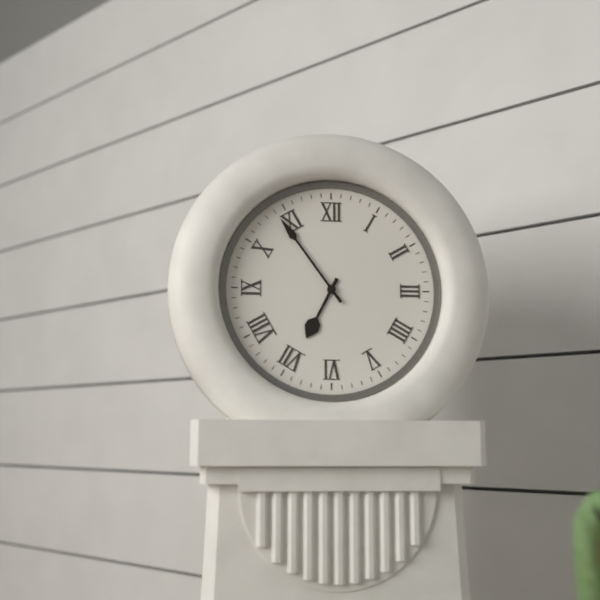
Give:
6h54
